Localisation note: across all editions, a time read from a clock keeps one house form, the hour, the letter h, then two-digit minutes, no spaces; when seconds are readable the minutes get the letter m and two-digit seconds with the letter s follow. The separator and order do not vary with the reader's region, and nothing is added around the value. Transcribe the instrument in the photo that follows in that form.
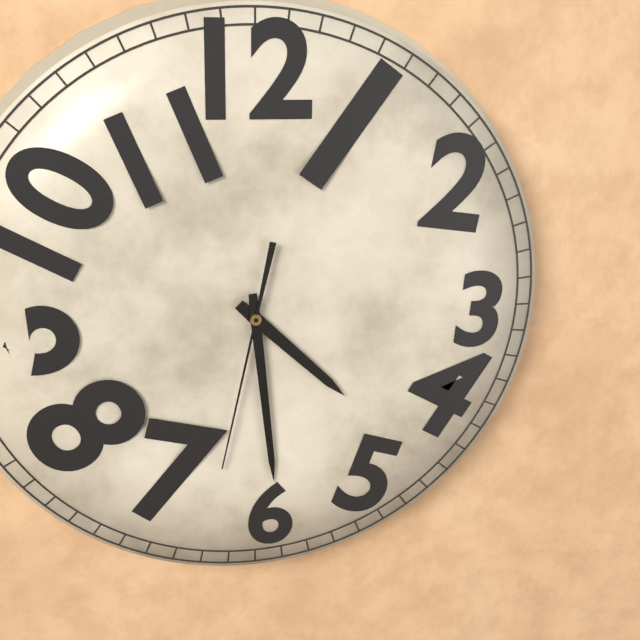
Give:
4h29m32s
